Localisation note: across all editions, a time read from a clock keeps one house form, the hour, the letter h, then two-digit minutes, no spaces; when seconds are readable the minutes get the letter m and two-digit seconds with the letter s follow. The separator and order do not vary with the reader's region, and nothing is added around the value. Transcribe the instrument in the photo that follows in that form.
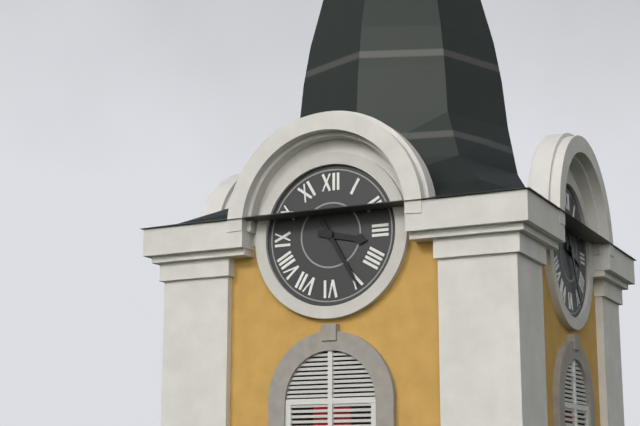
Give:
3h25
